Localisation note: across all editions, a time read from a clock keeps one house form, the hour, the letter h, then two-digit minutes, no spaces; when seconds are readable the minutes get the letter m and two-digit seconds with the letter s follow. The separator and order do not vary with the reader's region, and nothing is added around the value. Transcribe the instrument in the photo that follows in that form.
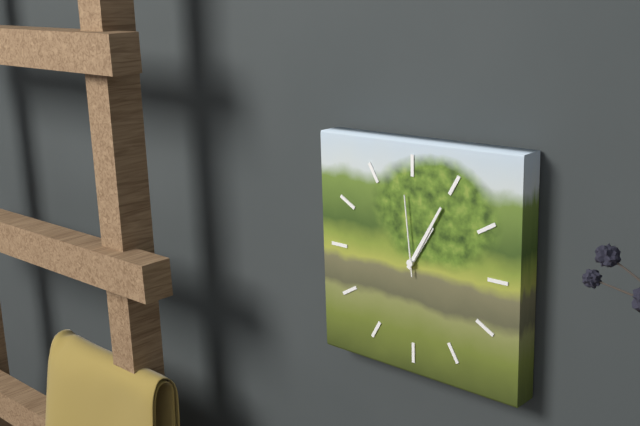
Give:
1h05m59s
